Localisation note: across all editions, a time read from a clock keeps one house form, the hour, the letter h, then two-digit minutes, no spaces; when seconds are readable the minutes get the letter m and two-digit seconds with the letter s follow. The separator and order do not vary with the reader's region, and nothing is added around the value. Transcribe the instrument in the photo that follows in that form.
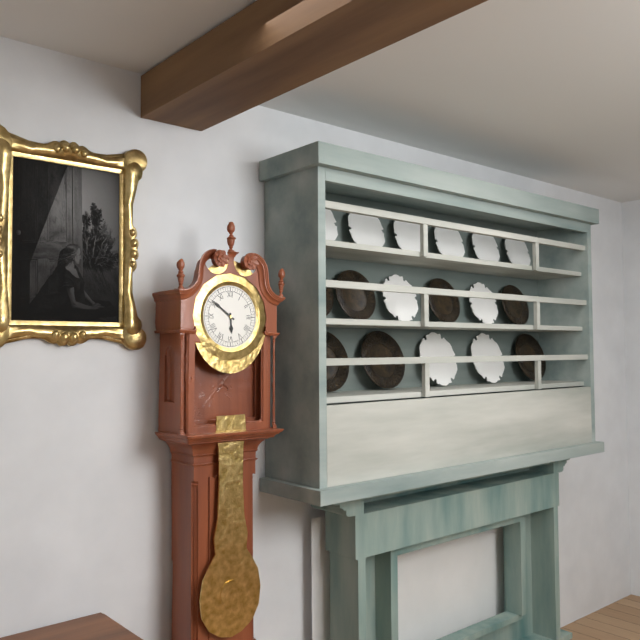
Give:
5h51
